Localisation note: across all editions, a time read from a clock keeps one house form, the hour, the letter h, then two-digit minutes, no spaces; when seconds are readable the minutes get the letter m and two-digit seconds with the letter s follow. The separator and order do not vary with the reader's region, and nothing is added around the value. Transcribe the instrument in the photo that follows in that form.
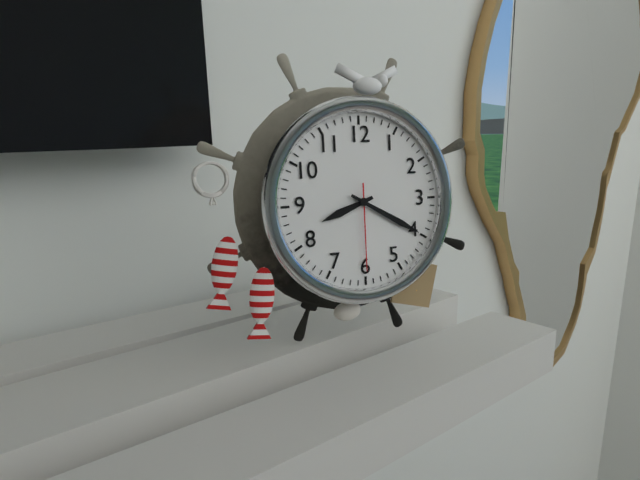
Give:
8h20m30s
